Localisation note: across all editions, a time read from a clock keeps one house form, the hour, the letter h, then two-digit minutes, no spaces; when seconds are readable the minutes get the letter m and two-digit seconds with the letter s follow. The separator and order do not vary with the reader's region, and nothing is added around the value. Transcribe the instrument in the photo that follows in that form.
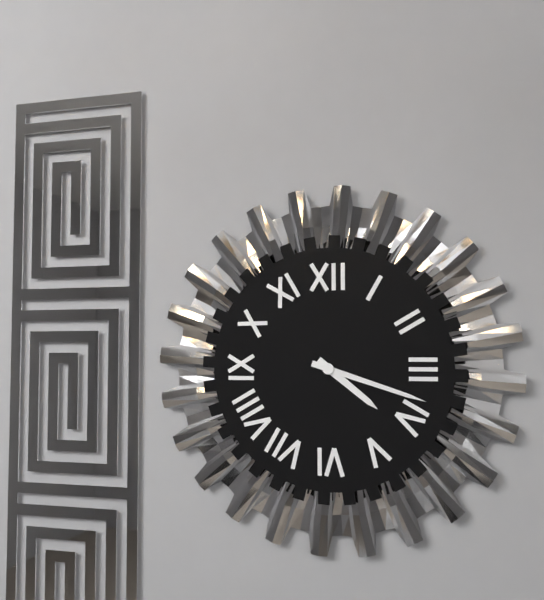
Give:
4h18
